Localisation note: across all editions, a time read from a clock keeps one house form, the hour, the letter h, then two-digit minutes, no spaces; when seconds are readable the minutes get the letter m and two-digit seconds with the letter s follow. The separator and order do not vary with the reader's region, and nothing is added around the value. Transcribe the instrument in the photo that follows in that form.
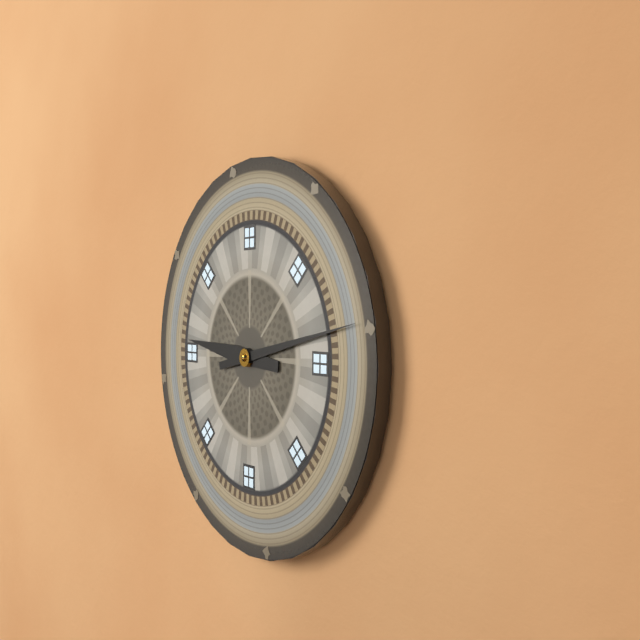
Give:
9h13
